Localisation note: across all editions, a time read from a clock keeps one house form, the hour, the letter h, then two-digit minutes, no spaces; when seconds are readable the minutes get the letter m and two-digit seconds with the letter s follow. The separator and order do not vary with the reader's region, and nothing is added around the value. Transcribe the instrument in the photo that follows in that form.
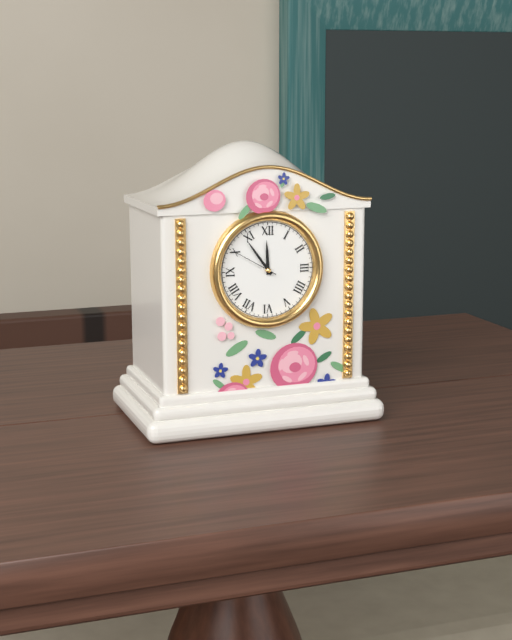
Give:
11h54m50s
